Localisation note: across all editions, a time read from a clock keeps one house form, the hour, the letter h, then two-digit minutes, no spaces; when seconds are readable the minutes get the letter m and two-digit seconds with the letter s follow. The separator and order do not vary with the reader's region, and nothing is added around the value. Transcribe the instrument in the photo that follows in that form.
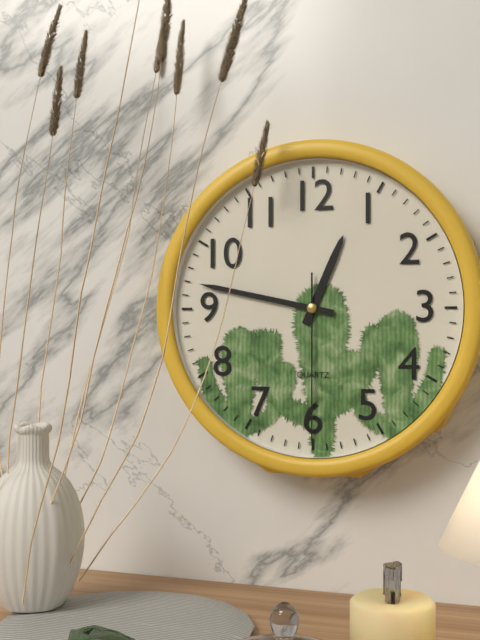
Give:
12h47m30s
